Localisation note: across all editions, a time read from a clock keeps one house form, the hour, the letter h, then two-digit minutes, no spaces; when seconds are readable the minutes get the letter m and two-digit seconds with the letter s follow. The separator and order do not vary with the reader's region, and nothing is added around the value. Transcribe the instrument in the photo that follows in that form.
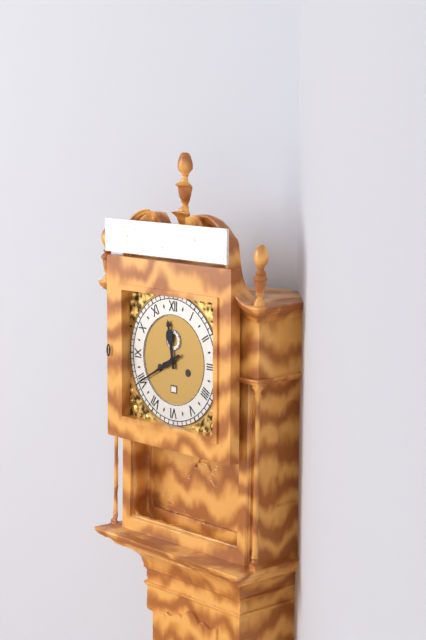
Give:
11h40
